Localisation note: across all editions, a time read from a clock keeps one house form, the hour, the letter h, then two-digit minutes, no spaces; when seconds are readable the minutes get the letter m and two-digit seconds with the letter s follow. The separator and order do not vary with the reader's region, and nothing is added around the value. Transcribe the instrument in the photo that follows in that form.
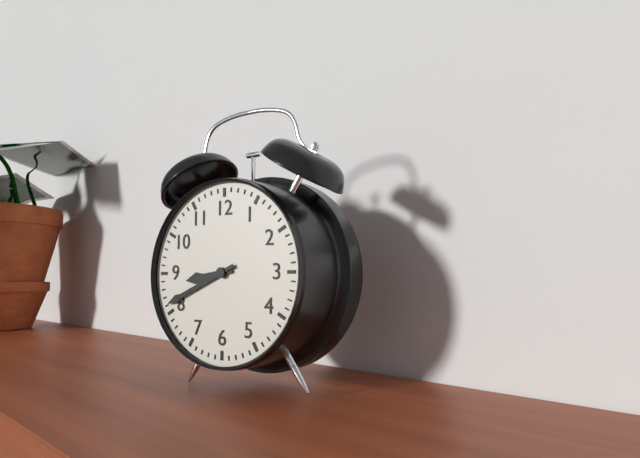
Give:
8h41
